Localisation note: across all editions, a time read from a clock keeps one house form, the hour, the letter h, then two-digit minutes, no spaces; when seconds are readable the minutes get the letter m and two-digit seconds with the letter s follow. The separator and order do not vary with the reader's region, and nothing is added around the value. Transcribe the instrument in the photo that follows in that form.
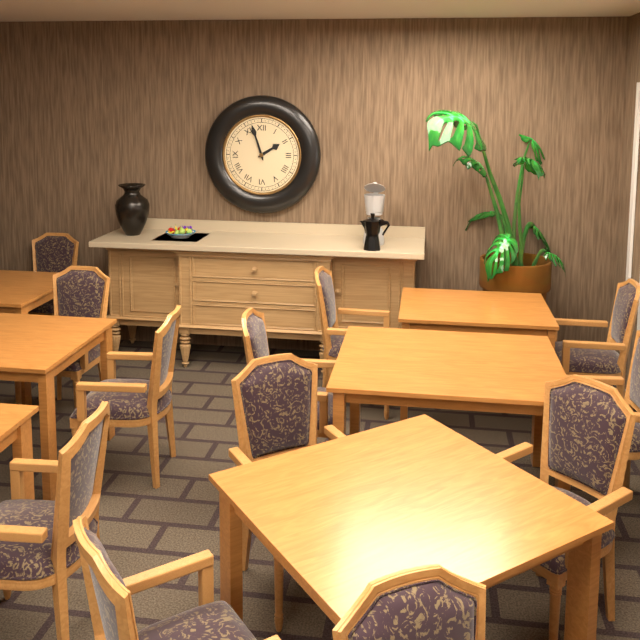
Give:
1h57
